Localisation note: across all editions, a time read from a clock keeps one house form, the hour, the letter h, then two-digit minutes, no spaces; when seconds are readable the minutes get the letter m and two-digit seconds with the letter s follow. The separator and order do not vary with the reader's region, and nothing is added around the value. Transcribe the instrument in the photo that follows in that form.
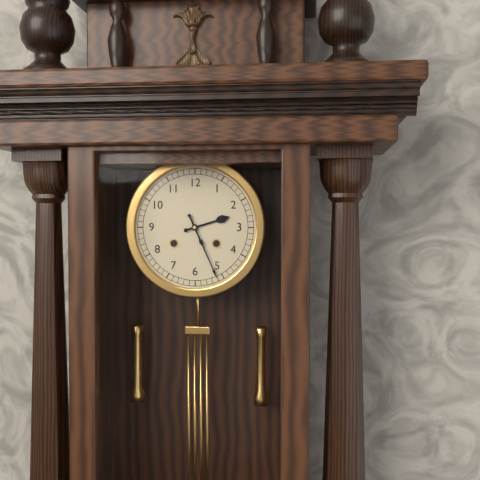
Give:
2h26
